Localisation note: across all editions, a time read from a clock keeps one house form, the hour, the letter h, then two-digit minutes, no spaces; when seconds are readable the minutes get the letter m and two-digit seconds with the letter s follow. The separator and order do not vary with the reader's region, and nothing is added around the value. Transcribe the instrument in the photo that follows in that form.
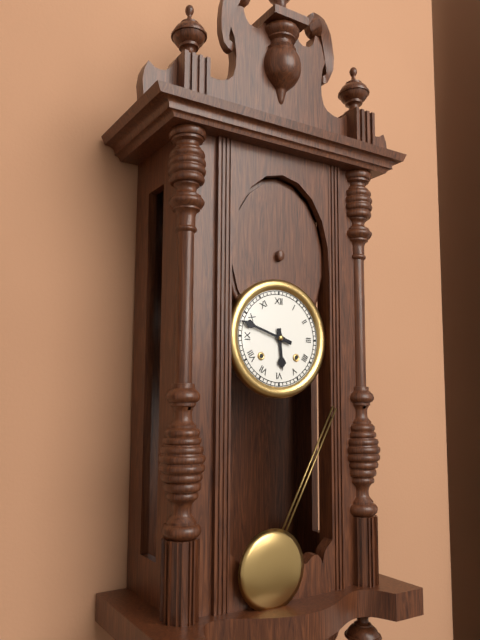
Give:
5h48
